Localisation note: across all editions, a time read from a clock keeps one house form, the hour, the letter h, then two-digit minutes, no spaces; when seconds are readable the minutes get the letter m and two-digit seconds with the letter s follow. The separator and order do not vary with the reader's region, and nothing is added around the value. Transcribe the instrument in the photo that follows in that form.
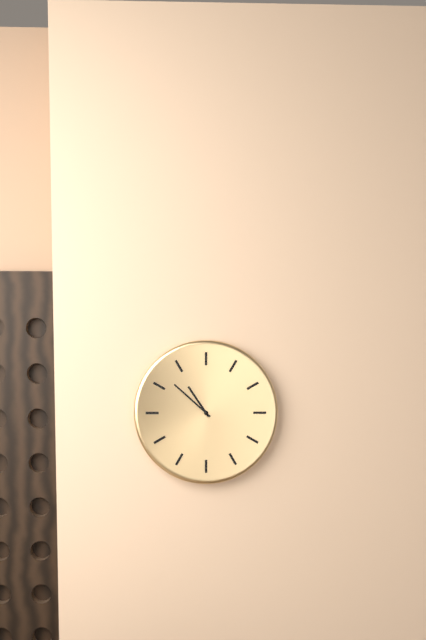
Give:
10h52
